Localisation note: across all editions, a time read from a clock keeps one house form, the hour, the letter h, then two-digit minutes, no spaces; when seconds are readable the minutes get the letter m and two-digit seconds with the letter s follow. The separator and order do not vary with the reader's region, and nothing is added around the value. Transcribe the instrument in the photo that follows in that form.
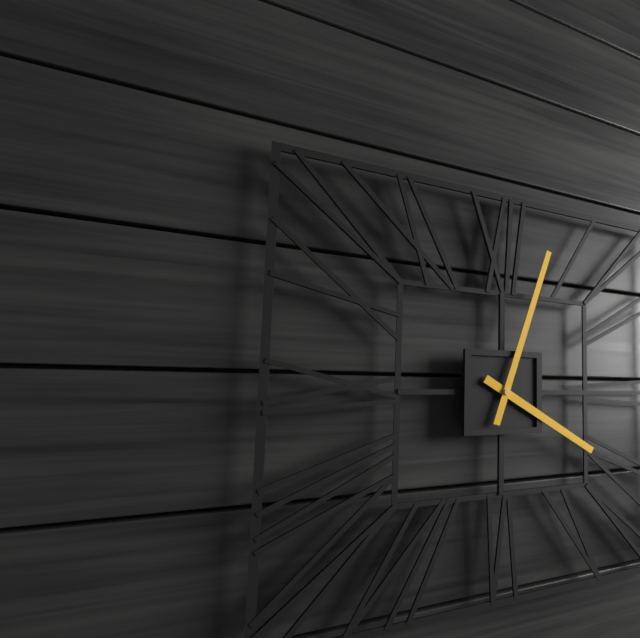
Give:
4h03
